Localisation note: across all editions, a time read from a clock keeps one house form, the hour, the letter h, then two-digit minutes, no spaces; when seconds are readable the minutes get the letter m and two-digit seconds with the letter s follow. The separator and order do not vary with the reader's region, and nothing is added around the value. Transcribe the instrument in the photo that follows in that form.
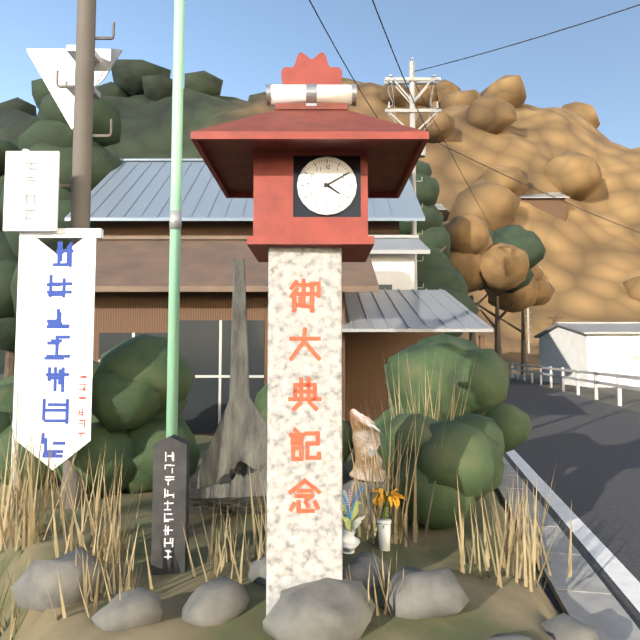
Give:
4h10
